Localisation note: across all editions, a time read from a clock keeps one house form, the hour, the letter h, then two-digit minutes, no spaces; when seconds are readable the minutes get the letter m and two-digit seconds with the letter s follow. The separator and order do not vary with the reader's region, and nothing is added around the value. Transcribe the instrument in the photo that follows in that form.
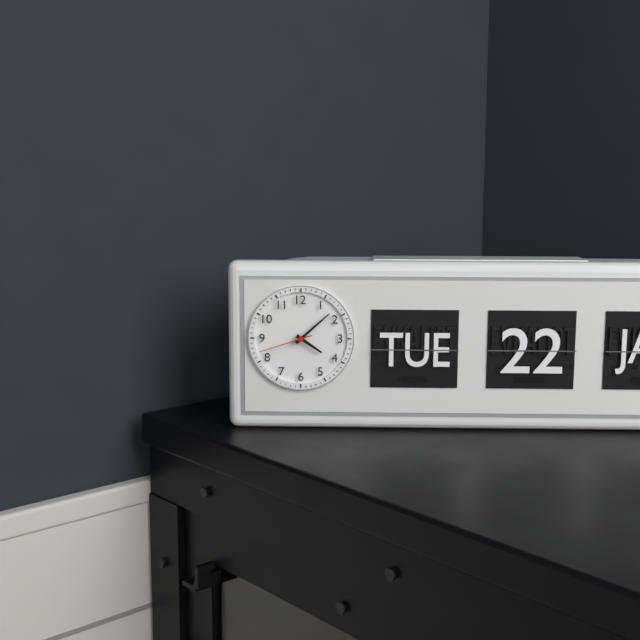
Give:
4h08m42s
